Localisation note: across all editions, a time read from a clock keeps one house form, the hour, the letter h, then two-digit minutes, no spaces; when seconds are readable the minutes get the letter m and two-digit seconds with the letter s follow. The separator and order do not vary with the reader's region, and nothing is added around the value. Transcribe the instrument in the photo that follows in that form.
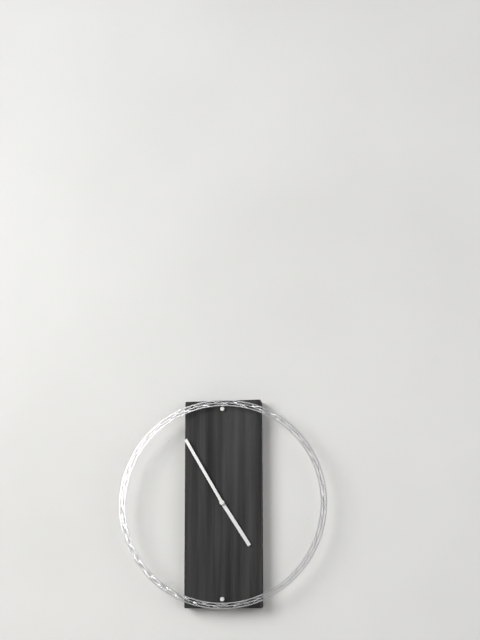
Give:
4h55
